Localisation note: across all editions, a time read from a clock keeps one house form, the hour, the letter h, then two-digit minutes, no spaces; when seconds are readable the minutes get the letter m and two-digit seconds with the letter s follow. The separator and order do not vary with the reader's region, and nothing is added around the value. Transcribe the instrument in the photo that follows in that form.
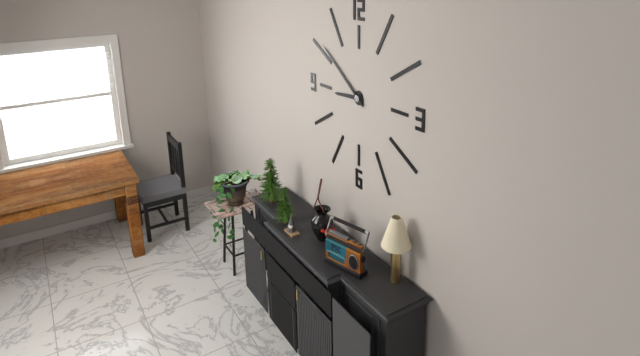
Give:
8h51
